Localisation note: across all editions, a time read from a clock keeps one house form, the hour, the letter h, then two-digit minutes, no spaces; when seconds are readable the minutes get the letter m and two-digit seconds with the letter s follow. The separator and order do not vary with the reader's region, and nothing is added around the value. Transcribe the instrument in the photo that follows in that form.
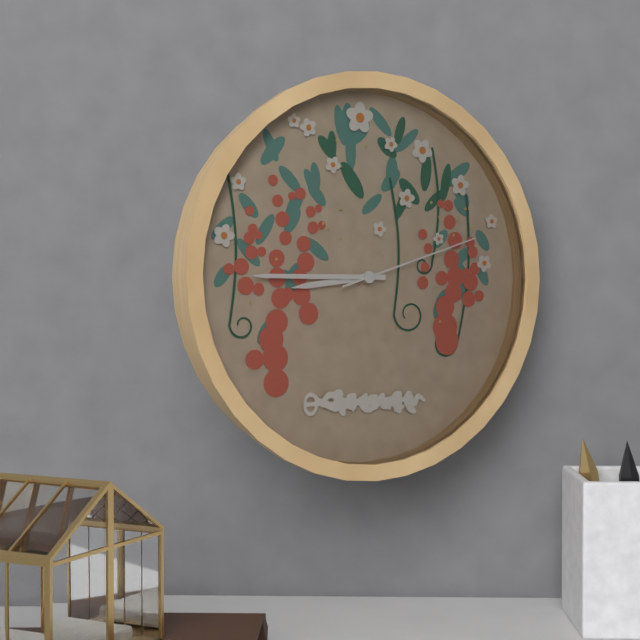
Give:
8h45m12s
